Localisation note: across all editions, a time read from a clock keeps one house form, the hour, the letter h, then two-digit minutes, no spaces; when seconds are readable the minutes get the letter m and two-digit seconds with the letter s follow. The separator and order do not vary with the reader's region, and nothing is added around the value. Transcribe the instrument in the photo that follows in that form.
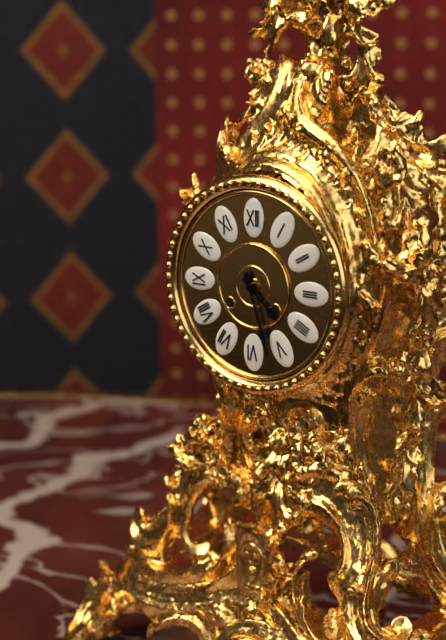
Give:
4h27
